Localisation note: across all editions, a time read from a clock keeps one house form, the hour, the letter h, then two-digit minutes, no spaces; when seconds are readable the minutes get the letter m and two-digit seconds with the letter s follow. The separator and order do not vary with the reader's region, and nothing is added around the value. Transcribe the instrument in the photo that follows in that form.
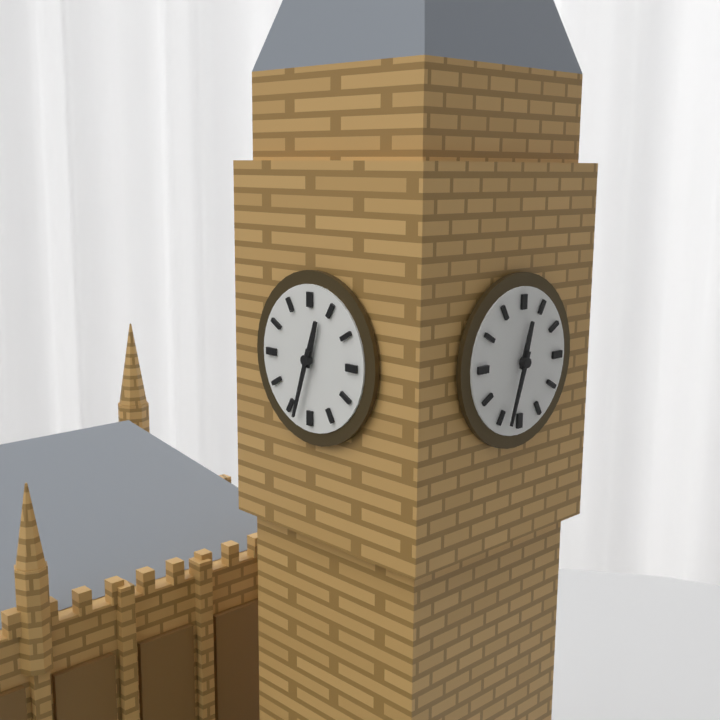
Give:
12h33
